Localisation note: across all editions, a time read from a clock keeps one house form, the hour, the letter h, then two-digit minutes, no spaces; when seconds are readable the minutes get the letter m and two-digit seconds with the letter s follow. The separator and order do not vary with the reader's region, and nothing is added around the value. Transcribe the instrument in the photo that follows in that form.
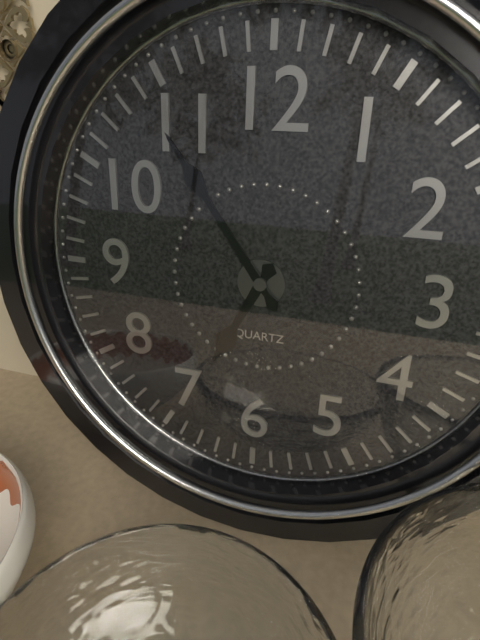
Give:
6h54
